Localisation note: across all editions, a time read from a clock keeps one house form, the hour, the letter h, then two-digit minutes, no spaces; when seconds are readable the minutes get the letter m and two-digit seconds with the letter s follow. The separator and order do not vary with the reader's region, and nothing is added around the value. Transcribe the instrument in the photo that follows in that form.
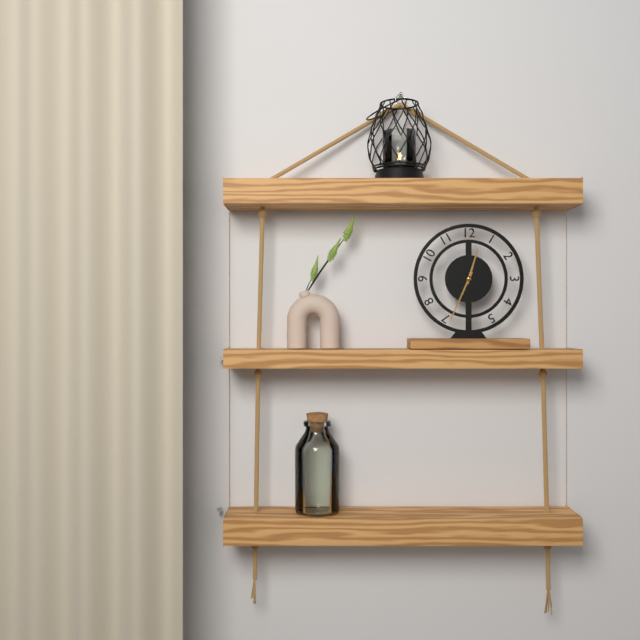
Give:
12h34
